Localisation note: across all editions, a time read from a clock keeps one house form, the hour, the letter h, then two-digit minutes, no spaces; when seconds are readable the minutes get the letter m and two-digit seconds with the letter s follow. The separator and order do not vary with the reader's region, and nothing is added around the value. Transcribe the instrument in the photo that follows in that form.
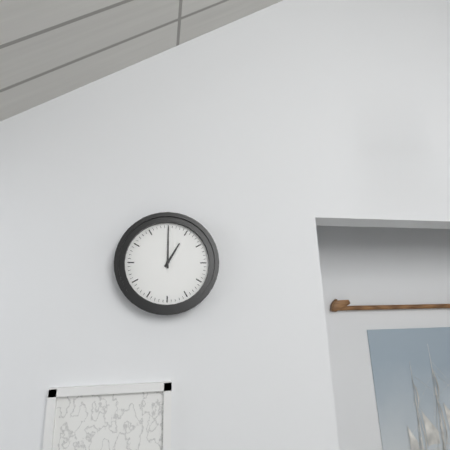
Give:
1h00
